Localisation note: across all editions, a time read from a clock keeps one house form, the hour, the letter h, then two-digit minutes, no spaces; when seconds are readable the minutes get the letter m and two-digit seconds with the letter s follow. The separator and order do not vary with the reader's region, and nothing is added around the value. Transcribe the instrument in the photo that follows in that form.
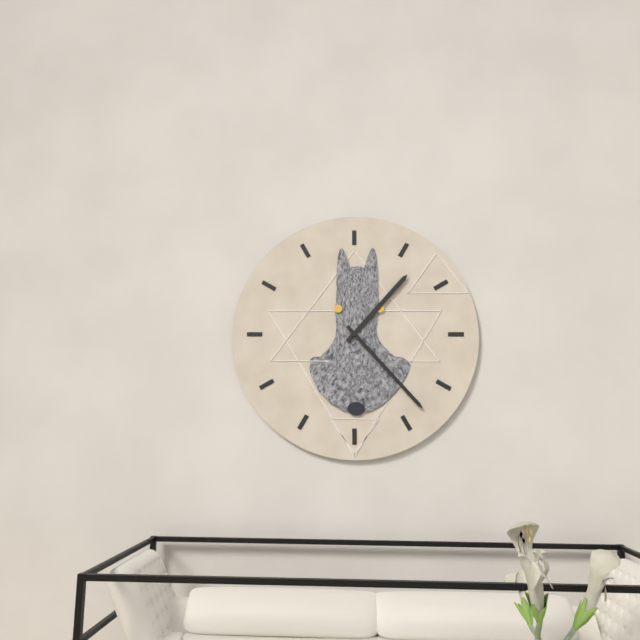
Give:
1h23
